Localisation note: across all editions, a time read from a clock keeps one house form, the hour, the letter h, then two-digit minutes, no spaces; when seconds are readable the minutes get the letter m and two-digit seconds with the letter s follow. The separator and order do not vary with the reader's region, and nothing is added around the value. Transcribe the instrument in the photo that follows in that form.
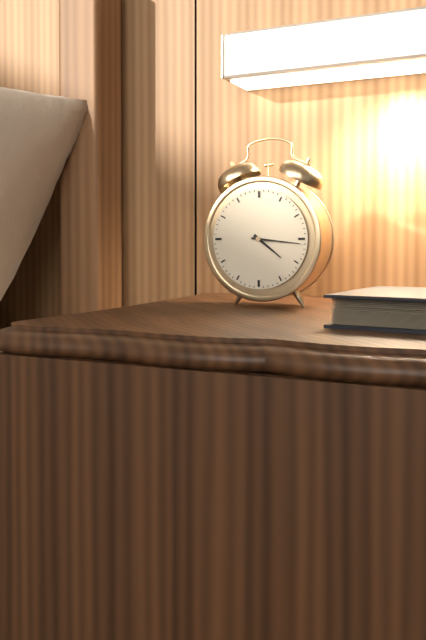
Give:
4h16
